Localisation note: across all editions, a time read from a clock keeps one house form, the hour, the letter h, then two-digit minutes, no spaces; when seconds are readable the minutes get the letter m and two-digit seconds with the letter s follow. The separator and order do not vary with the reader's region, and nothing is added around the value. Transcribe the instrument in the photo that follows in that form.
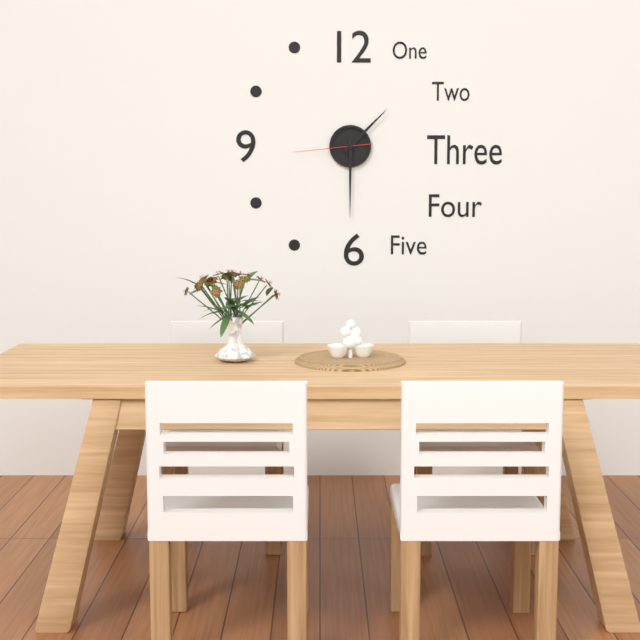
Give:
1h30m44s
